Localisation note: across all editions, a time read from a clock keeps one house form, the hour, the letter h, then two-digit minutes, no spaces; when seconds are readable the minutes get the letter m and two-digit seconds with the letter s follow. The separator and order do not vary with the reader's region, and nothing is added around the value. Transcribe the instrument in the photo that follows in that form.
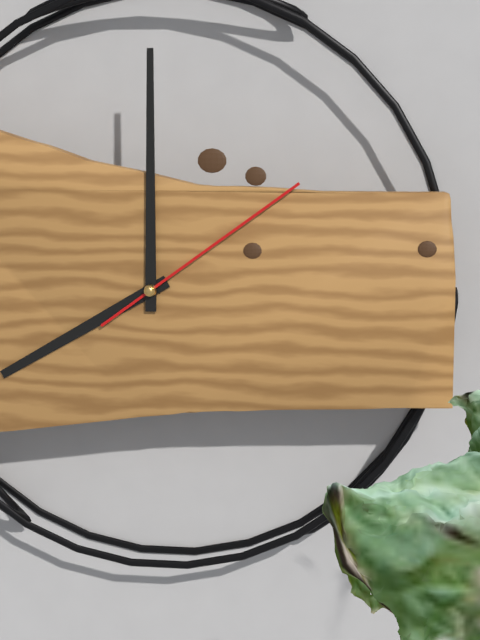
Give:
8h00m09s
